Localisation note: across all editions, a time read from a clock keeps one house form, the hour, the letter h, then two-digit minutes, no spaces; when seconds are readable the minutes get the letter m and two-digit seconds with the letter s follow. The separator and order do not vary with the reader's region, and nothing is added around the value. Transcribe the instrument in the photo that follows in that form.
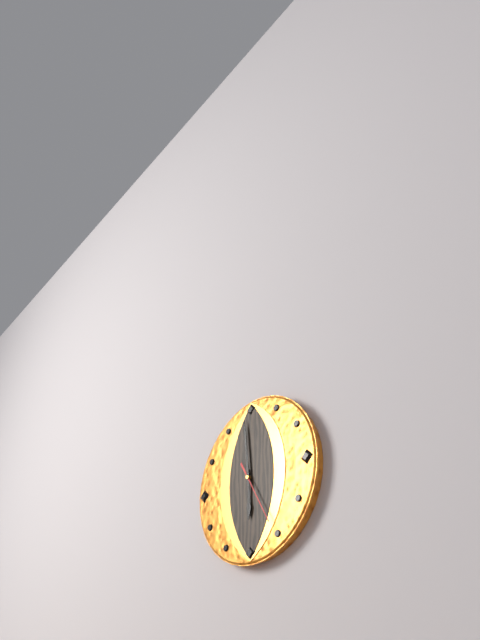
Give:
5h59
